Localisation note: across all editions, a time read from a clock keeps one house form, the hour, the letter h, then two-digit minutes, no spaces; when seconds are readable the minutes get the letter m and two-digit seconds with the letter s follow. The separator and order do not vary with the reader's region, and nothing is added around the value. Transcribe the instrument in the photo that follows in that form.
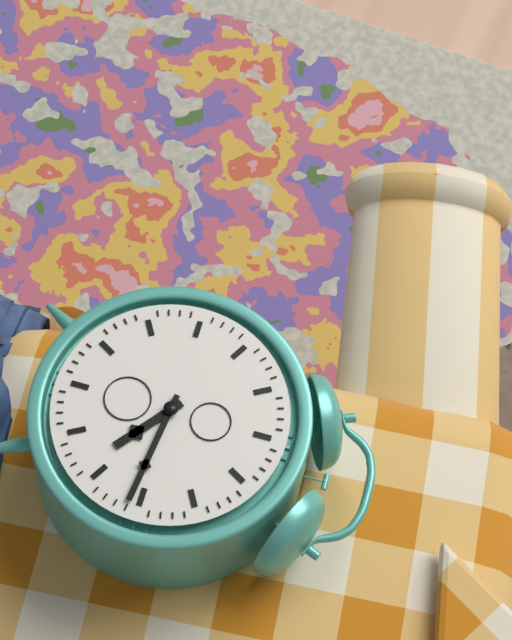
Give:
4h16
